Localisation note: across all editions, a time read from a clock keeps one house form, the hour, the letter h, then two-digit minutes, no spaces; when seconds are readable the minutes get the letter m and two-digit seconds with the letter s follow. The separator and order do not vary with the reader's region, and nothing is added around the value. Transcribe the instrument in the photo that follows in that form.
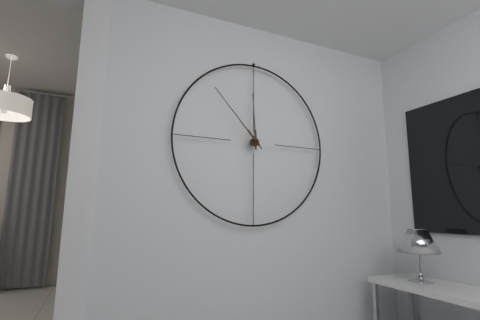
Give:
11h53
